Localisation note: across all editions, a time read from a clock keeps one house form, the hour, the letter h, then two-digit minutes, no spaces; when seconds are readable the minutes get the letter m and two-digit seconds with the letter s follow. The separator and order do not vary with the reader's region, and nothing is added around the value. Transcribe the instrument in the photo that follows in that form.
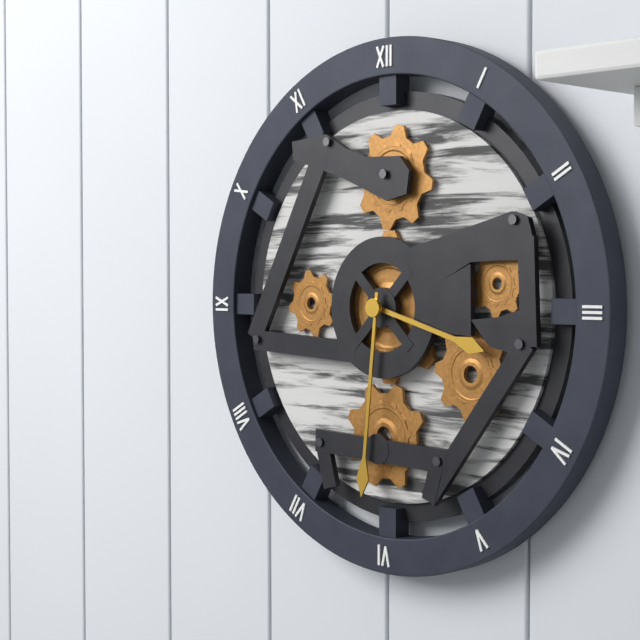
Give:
3h31
